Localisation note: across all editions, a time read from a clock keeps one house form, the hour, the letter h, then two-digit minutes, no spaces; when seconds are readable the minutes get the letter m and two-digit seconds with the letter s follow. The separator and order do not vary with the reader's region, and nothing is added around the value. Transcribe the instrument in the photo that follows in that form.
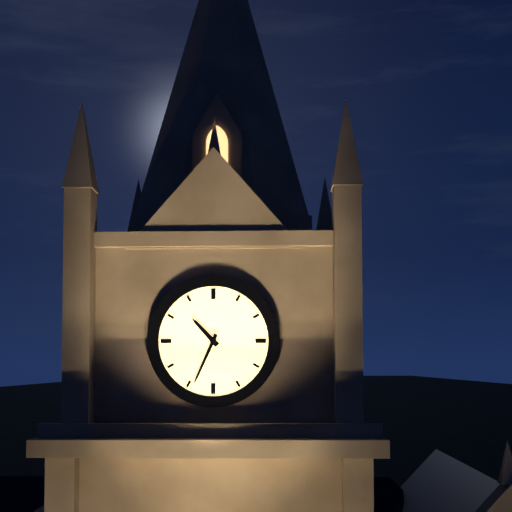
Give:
10h34
